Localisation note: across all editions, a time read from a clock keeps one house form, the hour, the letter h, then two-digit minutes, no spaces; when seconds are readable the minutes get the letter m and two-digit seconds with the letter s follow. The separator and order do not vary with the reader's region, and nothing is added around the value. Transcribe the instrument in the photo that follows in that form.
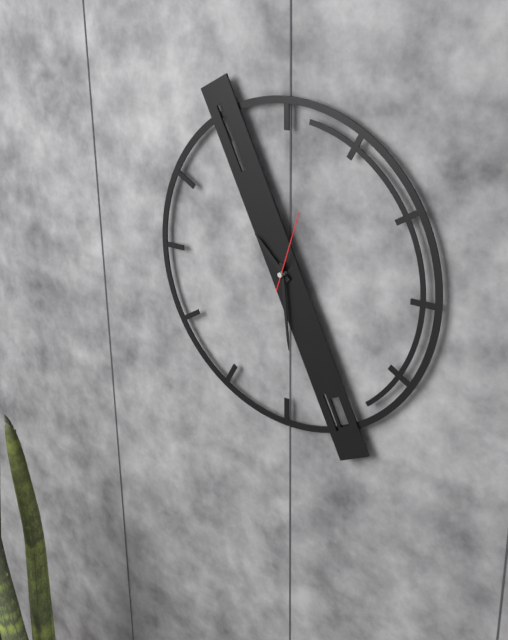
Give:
10h29m03s
